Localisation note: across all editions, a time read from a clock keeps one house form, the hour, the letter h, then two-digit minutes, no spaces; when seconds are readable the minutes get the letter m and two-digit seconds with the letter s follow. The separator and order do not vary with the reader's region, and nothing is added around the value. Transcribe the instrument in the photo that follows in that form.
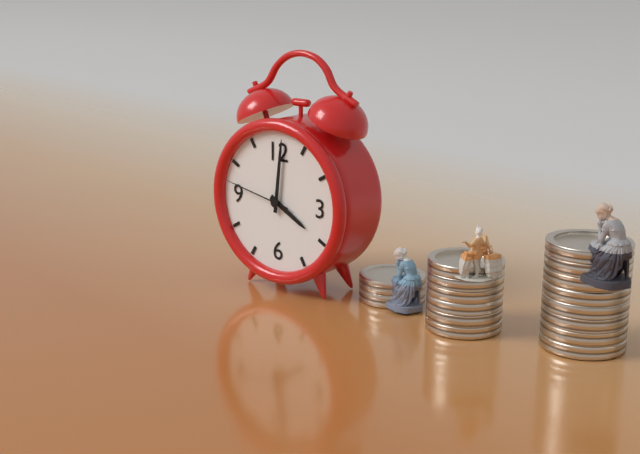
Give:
4h01m47s
